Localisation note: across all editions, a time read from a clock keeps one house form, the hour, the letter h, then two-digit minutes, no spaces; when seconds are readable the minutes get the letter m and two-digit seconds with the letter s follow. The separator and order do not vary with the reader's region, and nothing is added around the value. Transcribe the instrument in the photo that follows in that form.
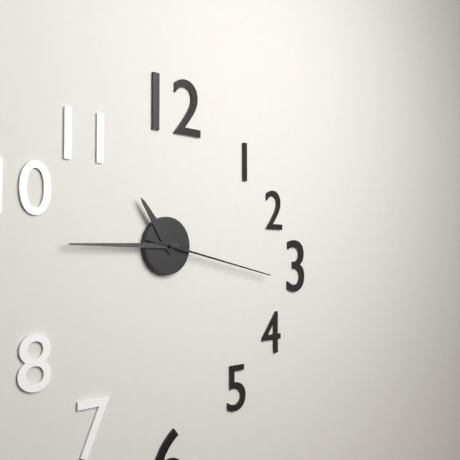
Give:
10h45m17s
